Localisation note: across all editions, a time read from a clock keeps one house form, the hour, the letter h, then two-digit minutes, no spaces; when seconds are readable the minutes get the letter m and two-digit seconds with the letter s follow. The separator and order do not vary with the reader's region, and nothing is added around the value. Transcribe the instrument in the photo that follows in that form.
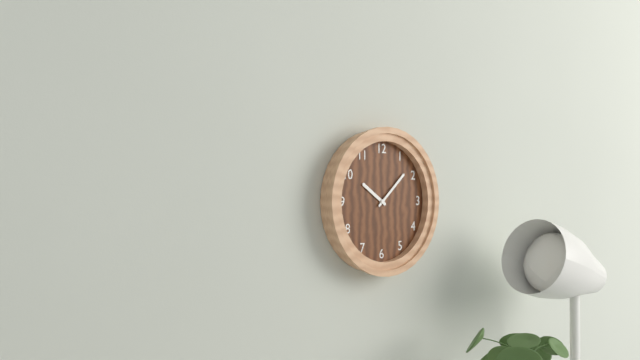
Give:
10h08
